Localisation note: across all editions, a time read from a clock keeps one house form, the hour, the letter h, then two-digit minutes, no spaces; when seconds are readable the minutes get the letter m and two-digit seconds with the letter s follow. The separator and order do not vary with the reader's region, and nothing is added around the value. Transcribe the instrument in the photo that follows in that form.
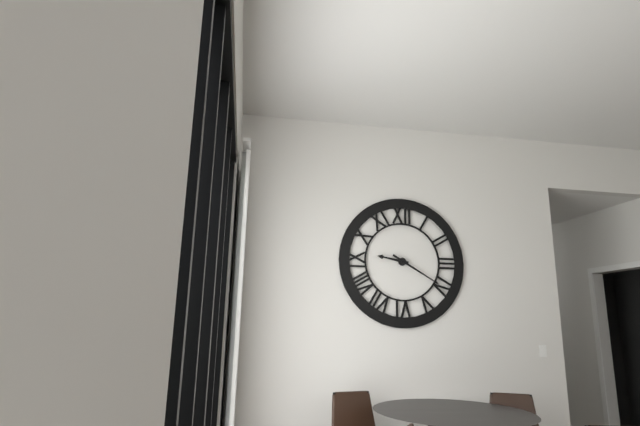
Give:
9h20
